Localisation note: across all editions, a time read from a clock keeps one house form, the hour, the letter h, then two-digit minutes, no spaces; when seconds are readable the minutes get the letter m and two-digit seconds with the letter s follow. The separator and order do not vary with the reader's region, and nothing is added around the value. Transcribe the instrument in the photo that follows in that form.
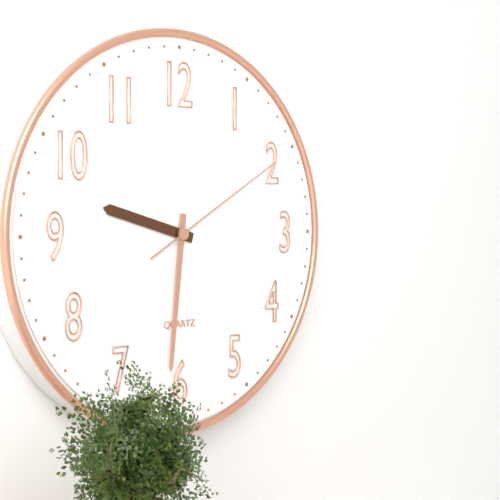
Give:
9h31m10s
